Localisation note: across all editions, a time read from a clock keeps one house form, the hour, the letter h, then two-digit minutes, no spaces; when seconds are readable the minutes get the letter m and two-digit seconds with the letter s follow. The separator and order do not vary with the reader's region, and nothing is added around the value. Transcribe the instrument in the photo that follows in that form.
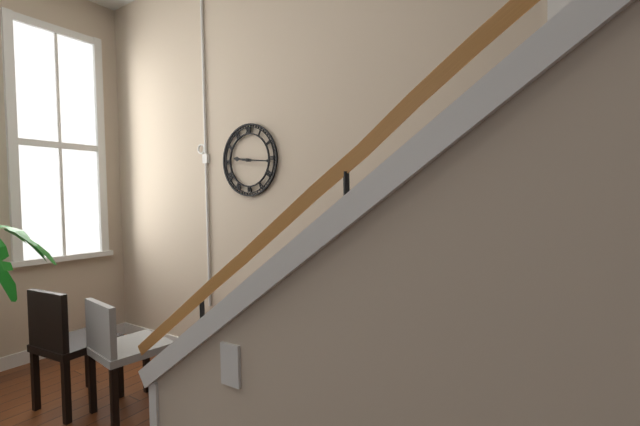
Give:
9h16
